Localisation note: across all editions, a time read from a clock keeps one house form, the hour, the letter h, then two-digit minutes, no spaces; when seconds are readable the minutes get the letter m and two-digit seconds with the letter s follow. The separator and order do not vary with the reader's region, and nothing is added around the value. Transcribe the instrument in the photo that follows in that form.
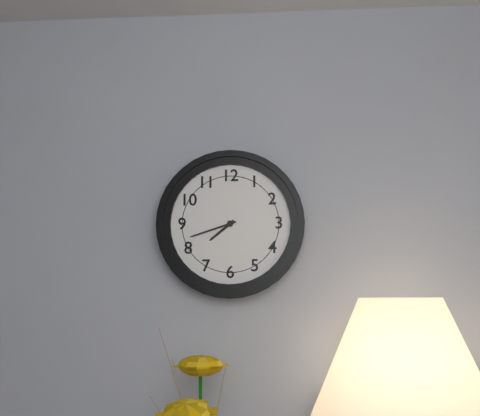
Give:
7h42
